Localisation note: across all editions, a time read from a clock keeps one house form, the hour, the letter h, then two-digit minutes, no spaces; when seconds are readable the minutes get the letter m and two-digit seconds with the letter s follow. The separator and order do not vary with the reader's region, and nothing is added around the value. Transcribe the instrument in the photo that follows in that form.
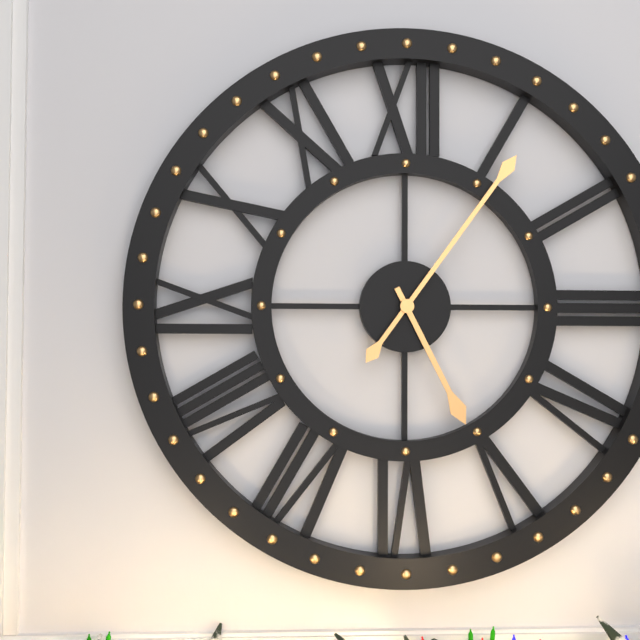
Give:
5h06
